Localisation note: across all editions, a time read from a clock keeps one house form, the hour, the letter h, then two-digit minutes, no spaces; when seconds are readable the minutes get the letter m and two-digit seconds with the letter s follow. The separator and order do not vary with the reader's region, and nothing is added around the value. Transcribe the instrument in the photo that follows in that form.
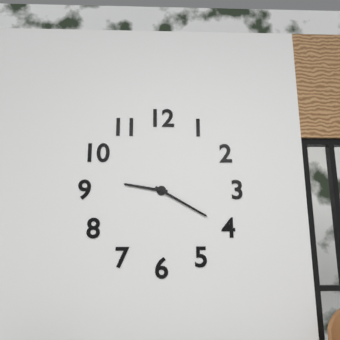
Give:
9h20
